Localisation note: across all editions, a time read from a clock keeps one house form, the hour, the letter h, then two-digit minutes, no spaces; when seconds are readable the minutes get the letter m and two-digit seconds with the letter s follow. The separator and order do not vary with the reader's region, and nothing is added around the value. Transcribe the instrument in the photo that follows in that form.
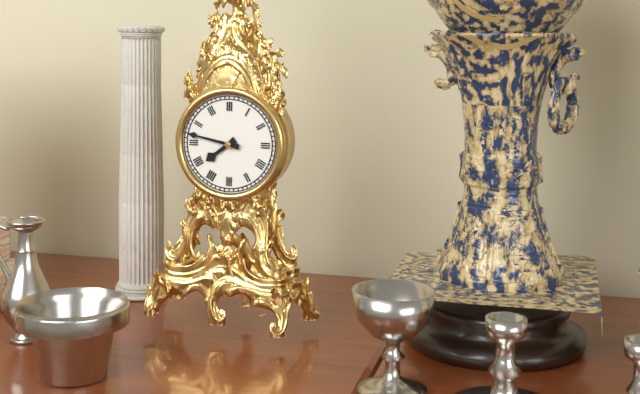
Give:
7h47
